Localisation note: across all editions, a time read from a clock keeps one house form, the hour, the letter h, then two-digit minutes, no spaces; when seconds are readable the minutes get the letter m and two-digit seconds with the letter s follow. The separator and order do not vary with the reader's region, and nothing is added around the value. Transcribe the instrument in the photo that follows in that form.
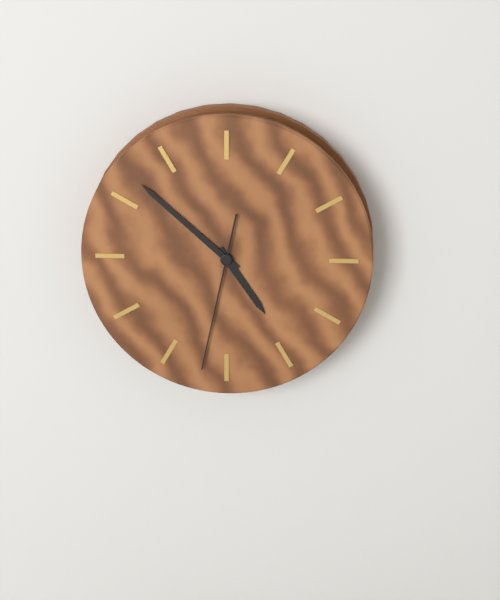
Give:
4h52m32s
